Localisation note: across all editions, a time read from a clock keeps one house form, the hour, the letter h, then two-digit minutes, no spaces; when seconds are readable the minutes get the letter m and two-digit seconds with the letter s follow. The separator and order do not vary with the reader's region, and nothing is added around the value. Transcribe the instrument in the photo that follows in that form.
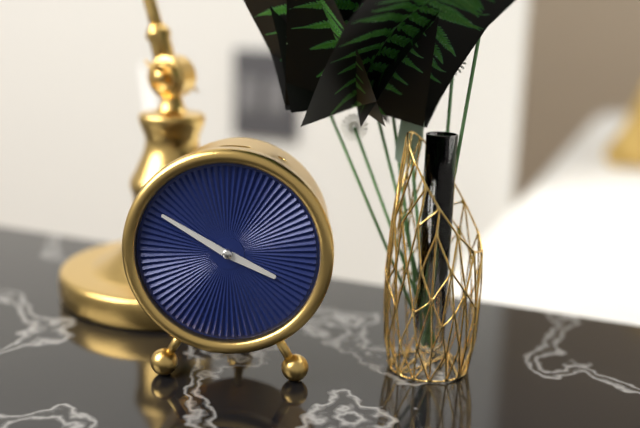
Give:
3h50
